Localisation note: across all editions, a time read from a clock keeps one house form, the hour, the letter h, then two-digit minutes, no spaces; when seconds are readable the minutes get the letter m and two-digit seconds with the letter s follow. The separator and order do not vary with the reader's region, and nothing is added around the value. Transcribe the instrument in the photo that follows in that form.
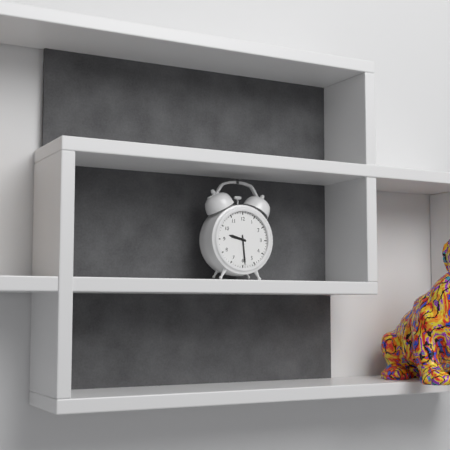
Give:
9h29
